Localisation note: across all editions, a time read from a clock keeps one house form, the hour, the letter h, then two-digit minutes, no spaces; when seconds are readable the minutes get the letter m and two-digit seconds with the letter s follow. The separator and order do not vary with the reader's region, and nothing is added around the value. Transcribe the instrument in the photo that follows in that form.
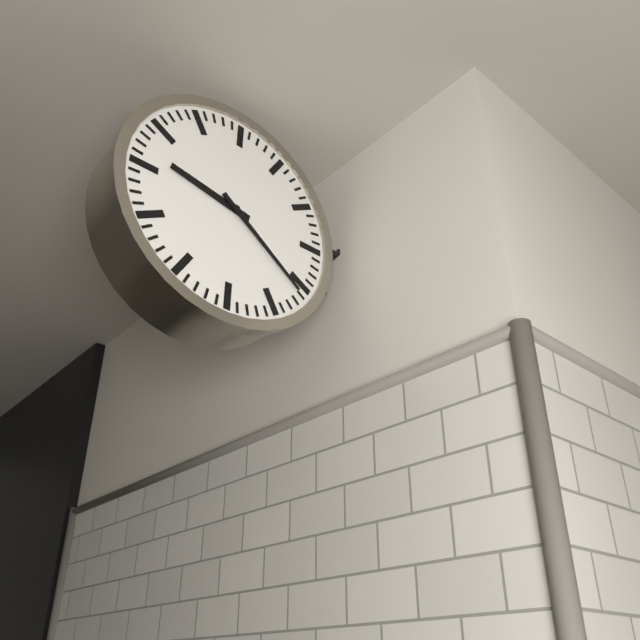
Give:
9h21
